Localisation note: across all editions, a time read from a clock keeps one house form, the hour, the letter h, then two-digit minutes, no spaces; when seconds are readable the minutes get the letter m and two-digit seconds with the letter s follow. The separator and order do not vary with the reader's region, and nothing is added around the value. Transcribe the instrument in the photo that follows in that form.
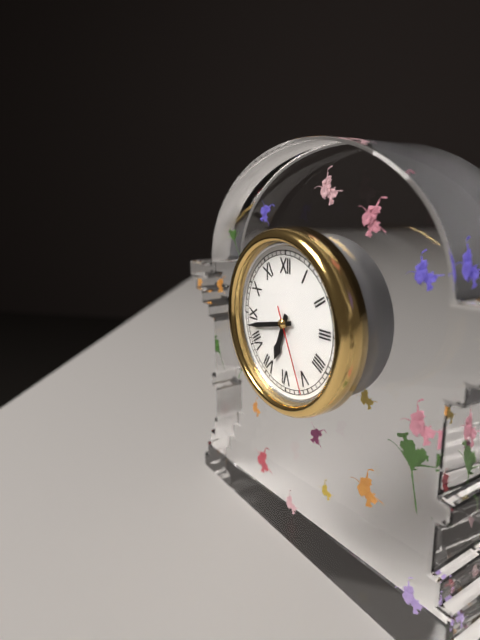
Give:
6h43m26s
